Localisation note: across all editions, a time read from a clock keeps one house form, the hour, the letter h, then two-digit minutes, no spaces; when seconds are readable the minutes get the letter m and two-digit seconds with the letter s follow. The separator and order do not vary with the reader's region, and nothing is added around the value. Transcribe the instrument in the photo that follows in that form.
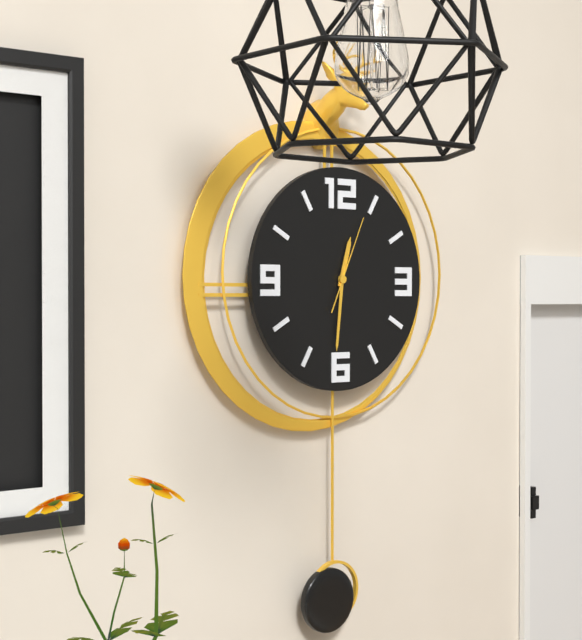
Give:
12h31m04s
